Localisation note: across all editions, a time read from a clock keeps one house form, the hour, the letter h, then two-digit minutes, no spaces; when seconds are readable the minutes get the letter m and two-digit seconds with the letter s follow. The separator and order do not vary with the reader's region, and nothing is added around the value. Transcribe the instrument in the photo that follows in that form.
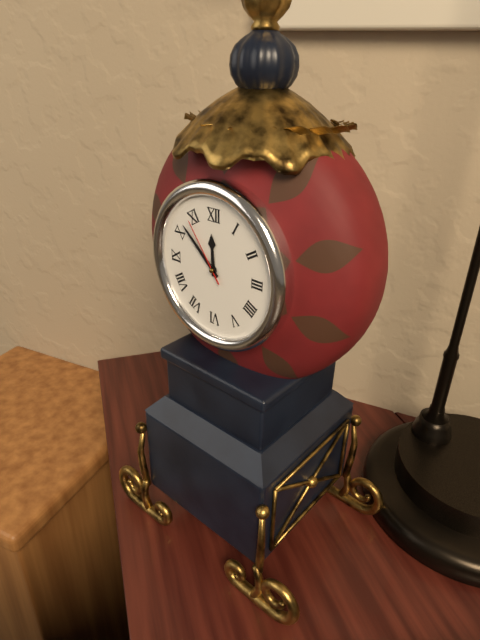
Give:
11h52m54s
